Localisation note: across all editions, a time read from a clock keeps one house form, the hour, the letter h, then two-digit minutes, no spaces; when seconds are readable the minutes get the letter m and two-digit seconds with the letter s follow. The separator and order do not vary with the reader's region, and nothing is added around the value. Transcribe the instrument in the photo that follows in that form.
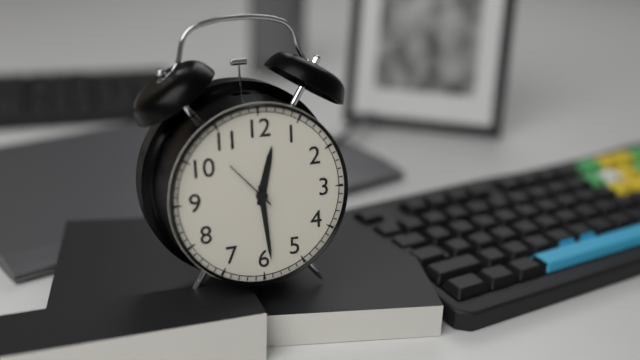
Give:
12h29
